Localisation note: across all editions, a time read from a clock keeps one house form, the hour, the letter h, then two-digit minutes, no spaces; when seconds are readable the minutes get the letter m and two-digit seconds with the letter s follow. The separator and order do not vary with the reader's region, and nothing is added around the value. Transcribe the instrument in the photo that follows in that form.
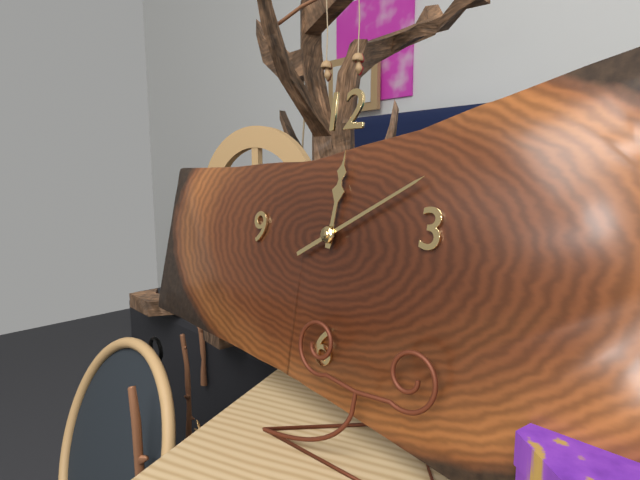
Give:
12h10
